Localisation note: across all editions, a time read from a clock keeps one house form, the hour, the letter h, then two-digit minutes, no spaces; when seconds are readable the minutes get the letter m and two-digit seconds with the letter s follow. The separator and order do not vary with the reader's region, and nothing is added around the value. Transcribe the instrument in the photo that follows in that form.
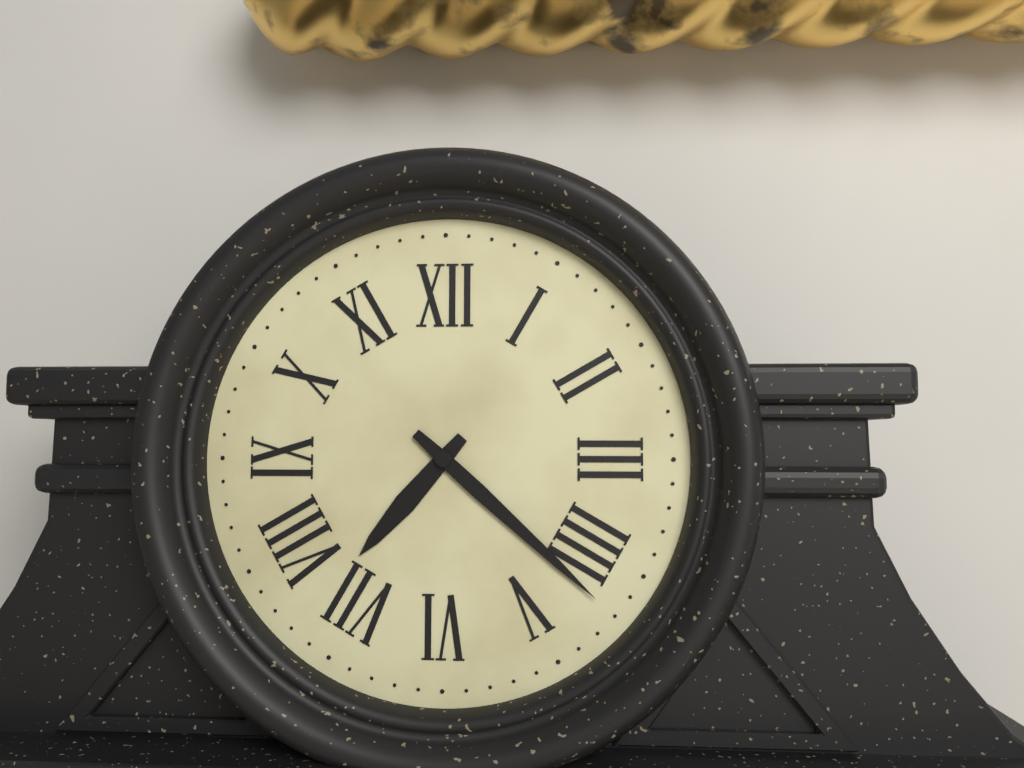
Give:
7h22
